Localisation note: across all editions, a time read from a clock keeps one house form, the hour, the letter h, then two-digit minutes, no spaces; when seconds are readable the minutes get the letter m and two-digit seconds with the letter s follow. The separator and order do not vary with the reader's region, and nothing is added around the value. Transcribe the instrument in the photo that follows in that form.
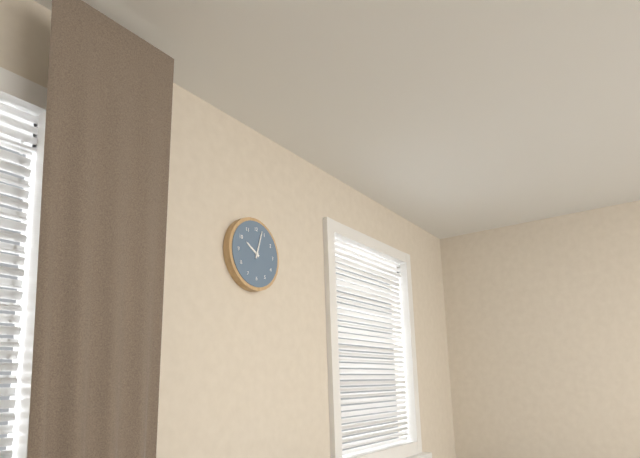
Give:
10h03
